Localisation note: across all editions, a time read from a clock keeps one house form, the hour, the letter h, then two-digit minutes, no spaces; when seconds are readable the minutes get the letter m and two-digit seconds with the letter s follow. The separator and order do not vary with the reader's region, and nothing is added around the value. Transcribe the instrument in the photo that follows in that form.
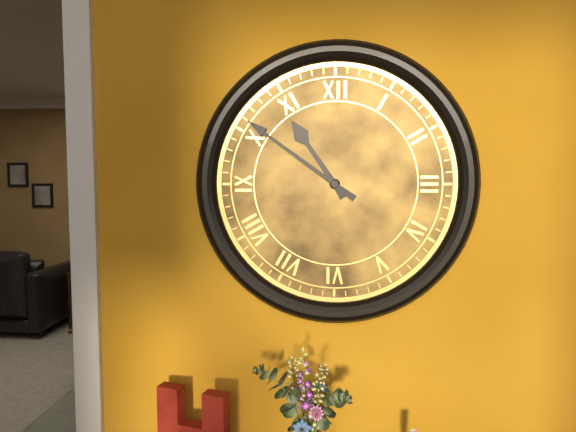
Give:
10h51
